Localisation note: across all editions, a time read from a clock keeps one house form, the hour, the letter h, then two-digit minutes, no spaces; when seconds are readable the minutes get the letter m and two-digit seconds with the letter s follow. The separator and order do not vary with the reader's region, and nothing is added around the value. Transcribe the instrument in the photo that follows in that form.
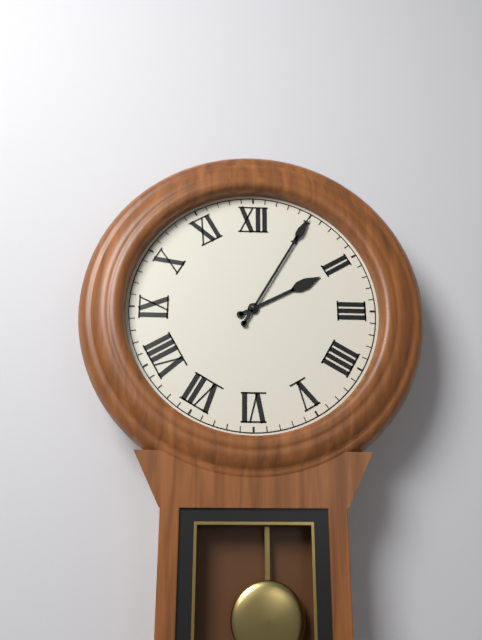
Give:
2h05
